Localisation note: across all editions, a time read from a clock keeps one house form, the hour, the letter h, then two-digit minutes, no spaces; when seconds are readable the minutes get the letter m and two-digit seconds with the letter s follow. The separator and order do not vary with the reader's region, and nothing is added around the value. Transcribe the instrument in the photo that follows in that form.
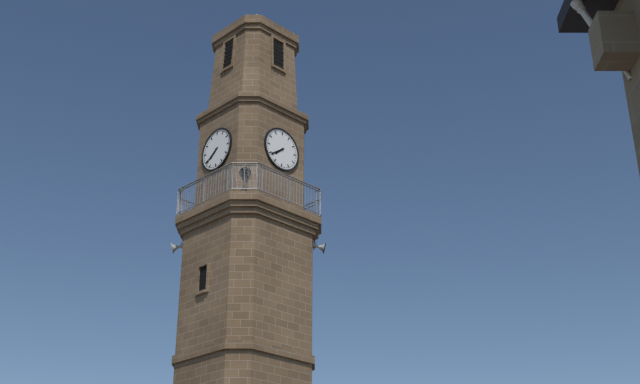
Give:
7h39
